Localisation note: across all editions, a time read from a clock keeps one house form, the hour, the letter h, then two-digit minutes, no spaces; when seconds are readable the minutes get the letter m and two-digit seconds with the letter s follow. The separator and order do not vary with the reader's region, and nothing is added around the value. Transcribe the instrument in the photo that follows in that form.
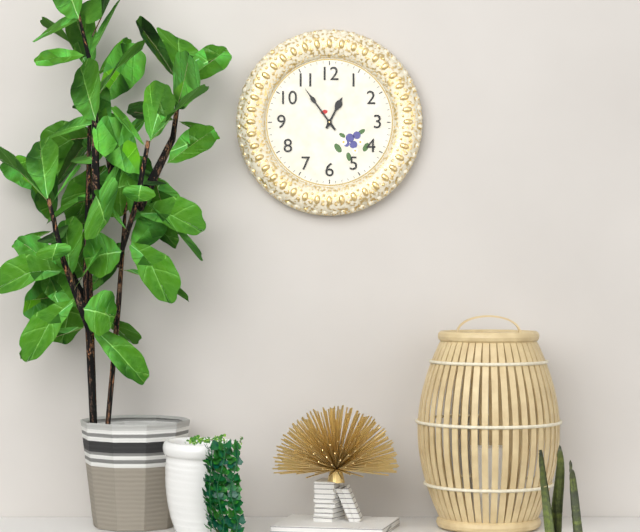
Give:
12h54
